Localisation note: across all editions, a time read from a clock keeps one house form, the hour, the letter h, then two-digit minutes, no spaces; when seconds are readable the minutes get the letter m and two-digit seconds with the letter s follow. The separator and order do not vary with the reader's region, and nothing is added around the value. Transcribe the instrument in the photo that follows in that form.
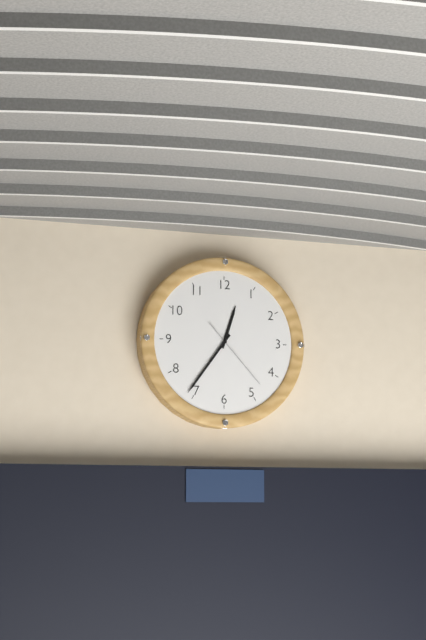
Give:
12h36m23s
